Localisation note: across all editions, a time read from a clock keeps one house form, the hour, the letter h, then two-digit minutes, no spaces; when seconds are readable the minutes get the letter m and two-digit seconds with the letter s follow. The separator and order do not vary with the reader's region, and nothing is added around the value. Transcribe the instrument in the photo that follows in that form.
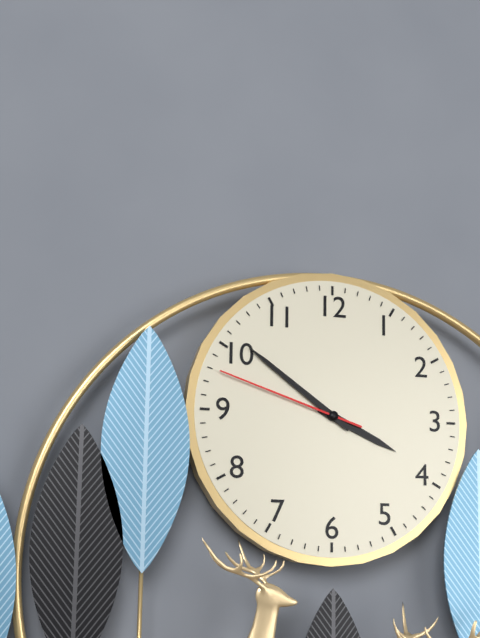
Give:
3h51m48s
